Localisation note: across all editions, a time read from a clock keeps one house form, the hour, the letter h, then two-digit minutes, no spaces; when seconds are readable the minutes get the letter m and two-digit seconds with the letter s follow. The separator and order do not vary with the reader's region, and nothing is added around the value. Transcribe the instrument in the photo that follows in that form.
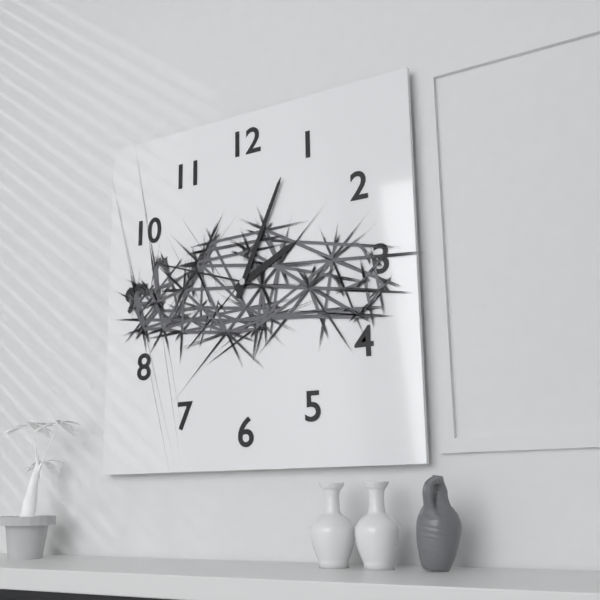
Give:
2h04m48s
